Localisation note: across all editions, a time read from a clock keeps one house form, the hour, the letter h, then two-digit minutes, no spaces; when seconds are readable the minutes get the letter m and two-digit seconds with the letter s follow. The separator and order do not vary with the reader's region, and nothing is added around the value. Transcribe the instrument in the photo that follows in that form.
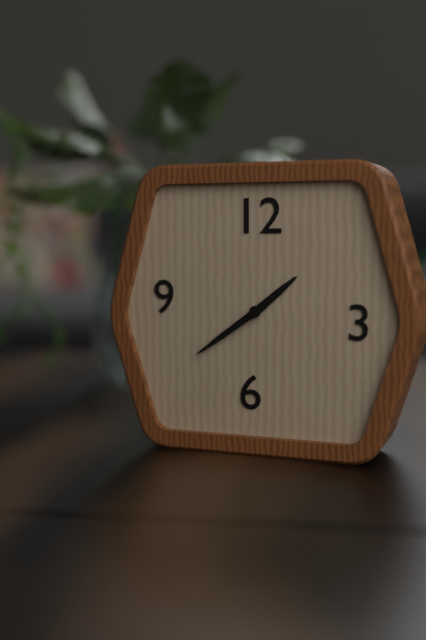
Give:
1h39
